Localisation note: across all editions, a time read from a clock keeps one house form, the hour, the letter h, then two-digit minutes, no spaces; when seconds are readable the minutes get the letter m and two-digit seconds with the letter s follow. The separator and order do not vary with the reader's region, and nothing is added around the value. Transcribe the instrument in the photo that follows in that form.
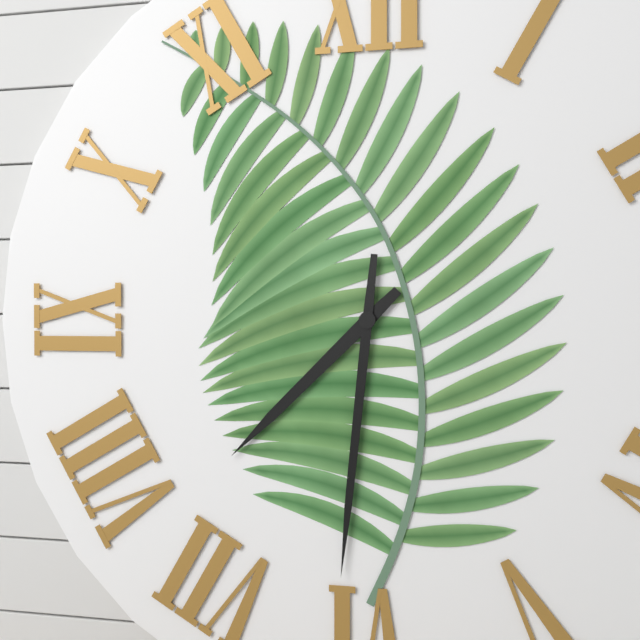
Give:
7h31
